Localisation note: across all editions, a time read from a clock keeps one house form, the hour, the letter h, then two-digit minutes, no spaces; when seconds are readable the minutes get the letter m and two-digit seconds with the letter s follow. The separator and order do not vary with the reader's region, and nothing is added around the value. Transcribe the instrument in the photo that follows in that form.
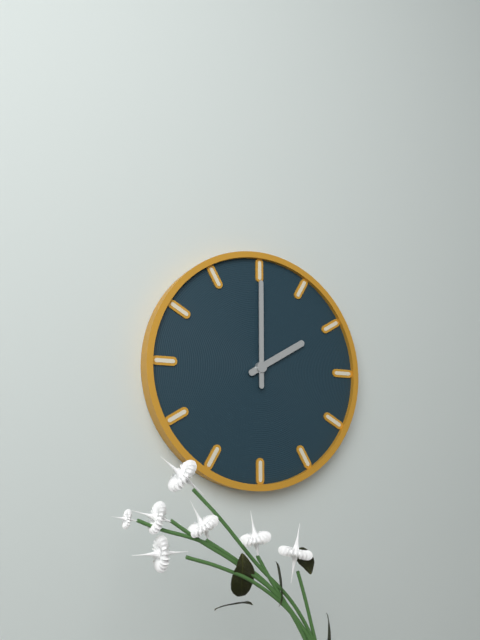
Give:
2h00
